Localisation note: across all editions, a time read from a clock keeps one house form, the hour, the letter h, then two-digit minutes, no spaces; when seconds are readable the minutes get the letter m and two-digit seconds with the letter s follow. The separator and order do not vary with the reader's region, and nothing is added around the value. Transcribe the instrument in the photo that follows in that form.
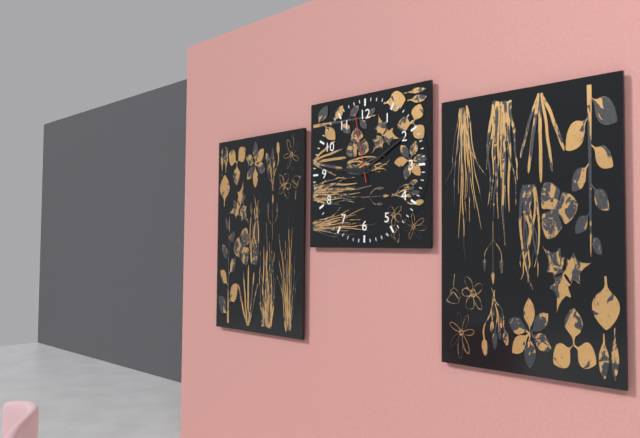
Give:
9h10m58s
